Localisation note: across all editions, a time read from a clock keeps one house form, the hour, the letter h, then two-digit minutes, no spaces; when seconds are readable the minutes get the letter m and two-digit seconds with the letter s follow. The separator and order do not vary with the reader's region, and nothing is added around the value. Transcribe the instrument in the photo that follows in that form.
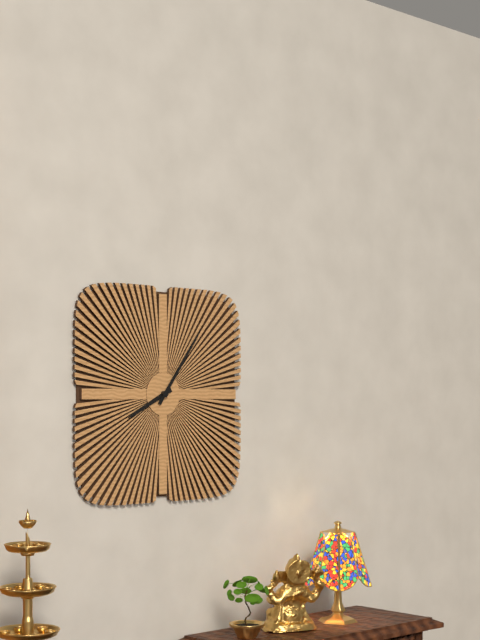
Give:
8h06
